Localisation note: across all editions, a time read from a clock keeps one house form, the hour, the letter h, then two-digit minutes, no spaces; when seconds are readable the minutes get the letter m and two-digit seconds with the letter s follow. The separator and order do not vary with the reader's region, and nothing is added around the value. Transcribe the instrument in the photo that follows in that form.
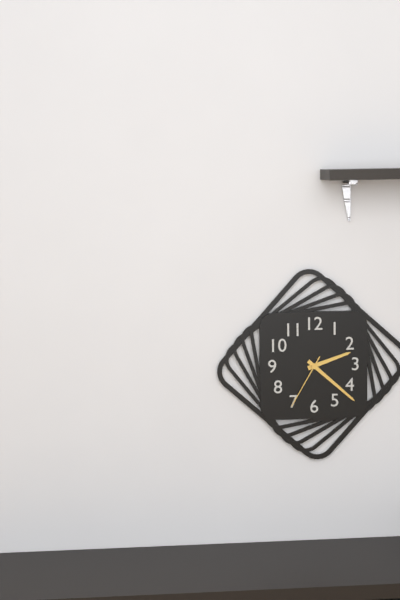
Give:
2h22m35s
